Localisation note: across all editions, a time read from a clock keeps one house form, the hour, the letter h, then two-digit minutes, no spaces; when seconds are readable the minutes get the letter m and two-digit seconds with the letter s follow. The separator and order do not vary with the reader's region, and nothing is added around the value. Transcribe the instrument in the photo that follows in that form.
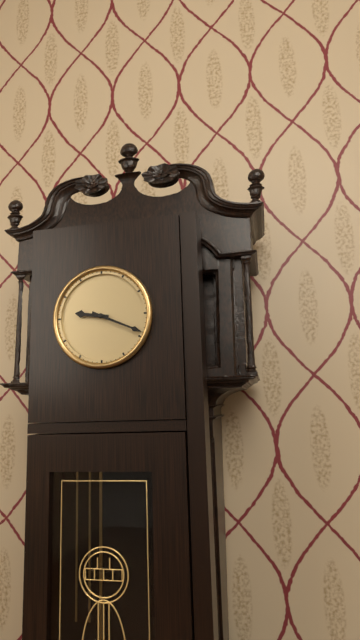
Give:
9h19
